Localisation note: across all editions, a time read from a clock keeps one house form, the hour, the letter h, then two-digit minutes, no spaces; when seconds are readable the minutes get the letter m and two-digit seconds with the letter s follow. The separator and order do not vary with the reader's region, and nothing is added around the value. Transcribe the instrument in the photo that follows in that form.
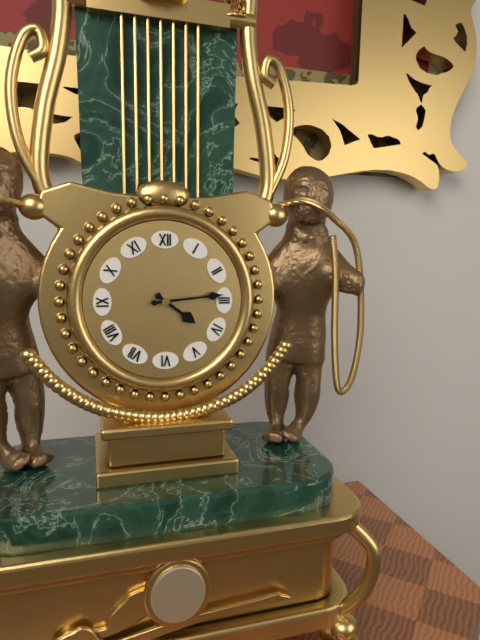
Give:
4h14
